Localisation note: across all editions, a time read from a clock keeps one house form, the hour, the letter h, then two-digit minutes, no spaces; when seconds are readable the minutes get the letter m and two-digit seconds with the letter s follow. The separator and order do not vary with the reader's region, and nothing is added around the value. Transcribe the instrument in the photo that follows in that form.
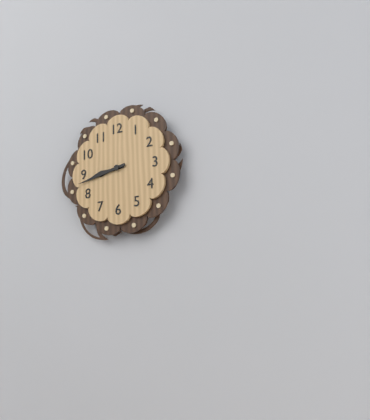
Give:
8h43
